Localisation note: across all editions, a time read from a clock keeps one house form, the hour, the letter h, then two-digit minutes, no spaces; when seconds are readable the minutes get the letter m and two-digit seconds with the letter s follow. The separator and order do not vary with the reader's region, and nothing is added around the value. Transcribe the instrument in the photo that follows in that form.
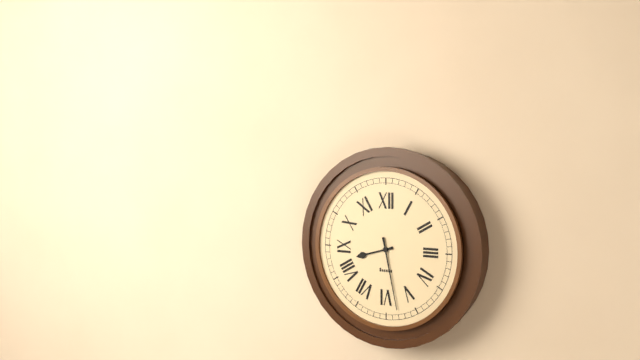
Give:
8h28
